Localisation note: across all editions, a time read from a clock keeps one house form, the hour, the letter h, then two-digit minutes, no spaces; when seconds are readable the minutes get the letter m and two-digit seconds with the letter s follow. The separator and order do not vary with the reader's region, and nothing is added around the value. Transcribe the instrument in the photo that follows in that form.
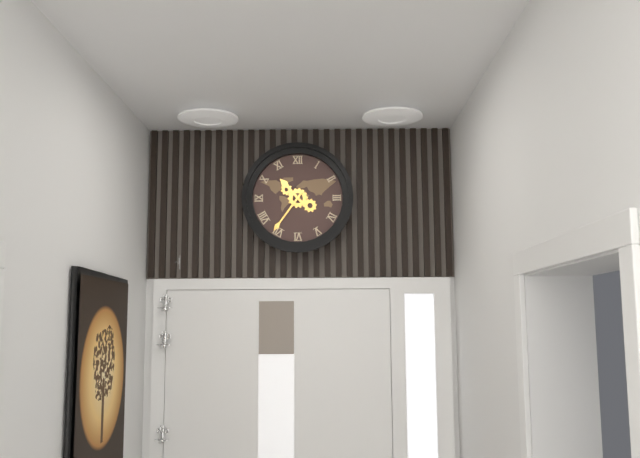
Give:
10h36
